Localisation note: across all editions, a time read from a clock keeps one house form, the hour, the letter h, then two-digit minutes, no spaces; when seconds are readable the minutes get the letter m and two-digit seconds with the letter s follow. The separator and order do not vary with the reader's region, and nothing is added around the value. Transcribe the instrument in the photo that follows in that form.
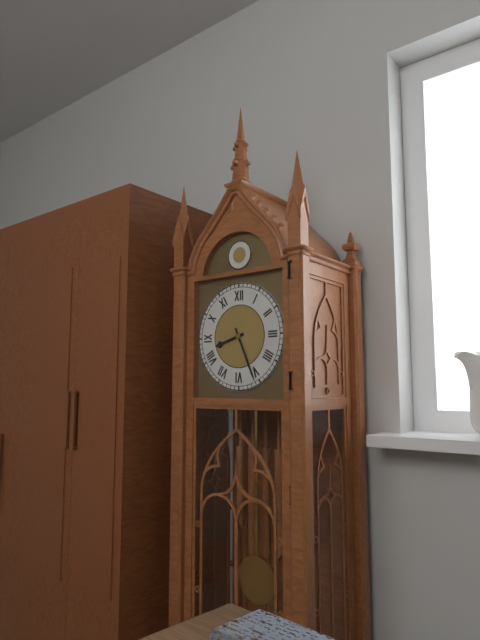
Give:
8h26
